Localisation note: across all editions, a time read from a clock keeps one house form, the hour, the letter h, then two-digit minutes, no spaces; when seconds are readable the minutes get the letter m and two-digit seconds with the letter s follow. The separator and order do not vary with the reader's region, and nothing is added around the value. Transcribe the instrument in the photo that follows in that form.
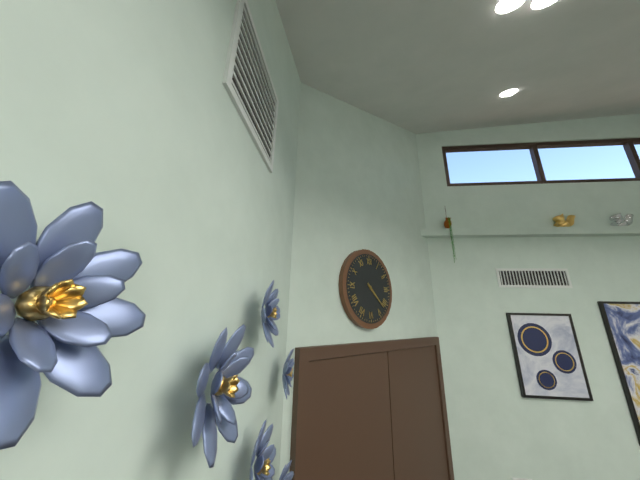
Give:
4h22
